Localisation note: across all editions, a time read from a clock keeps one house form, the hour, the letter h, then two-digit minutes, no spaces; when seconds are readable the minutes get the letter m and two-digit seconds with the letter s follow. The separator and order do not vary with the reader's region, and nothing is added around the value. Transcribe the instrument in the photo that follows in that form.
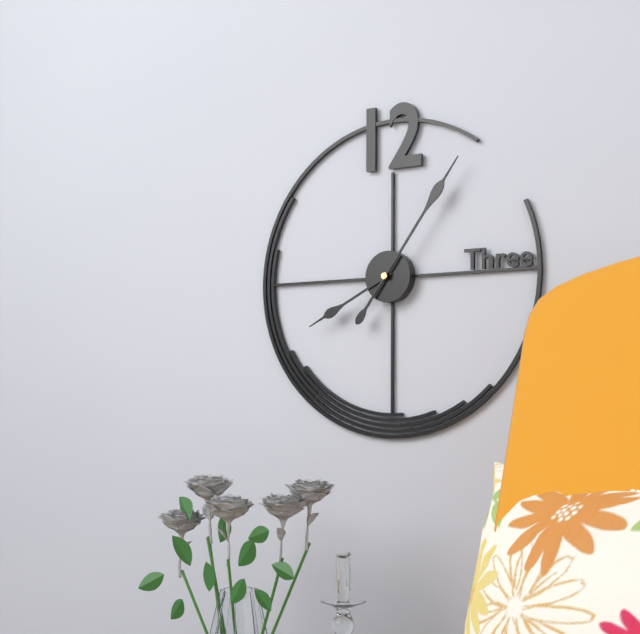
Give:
8h06
